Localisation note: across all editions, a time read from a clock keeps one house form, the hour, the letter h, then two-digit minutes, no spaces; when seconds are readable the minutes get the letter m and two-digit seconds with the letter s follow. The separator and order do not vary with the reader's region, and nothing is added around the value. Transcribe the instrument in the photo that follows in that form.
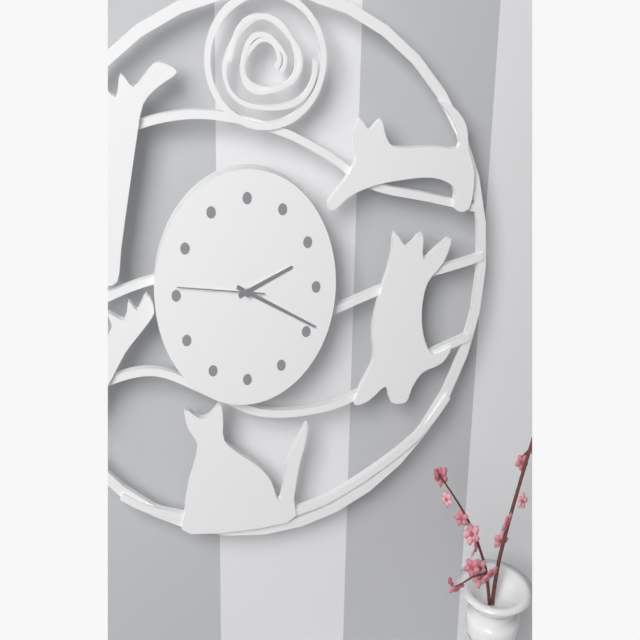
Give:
2h19m46s
